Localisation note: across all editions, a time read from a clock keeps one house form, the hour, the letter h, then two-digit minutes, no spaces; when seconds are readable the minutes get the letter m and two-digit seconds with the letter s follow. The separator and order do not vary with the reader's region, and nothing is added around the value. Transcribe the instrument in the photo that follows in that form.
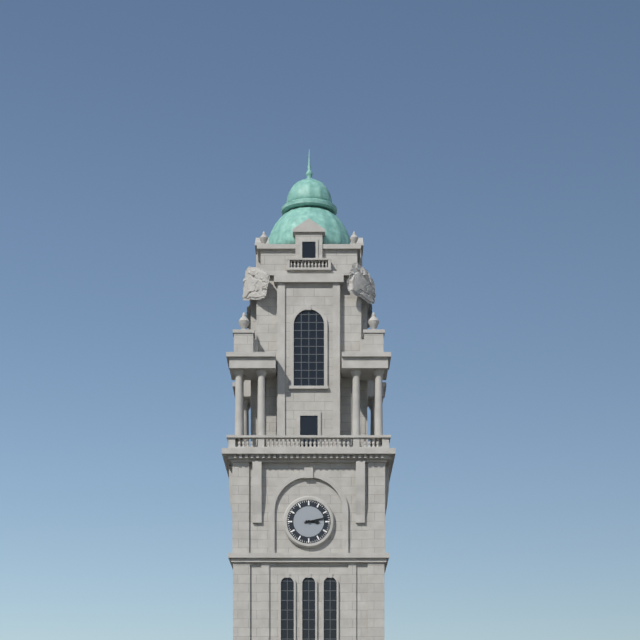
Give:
3h13
